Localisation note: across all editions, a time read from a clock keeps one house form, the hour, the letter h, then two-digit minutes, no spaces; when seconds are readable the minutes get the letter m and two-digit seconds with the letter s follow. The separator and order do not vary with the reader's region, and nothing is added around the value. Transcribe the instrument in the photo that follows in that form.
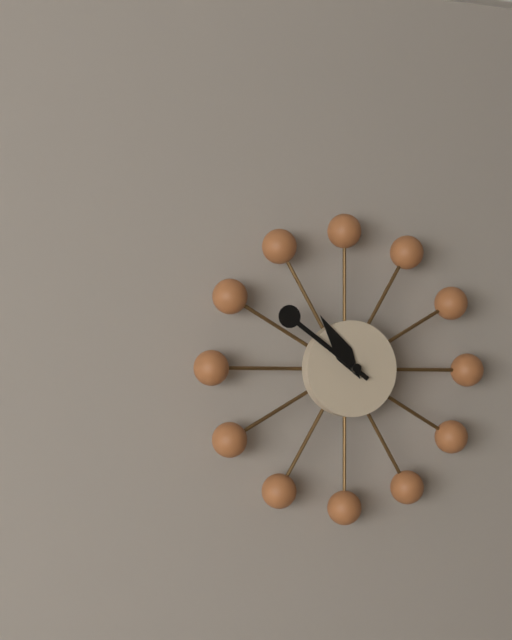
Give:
10h51
